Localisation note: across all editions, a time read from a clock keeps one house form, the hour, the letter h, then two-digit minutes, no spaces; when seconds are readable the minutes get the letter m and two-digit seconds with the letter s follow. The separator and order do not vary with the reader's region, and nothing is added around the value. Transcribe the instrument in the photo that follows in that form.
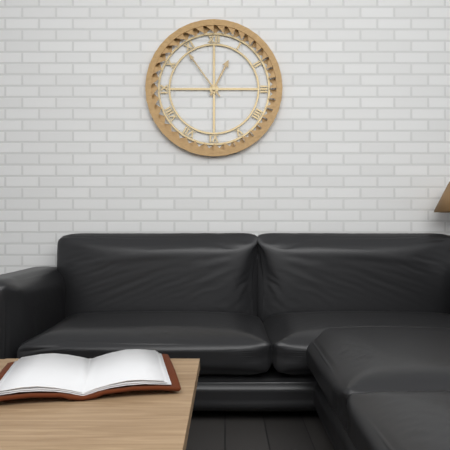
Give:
12h54
